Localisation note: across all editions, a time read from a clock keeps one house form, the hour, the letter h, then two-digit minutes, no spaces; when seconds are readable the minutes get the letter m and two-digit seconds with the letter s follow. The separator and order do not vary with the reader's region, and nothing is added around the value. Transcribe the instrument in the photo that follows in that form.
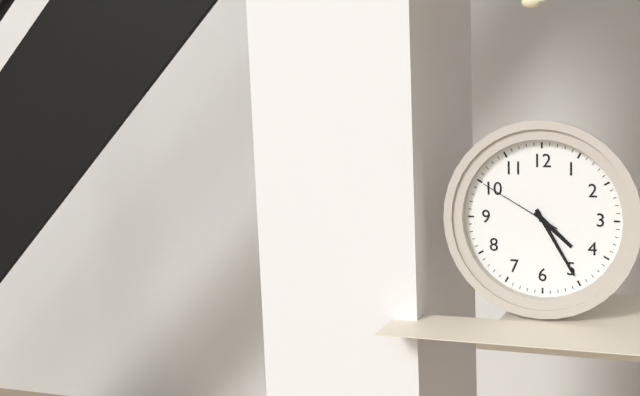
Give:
4h25m50s
